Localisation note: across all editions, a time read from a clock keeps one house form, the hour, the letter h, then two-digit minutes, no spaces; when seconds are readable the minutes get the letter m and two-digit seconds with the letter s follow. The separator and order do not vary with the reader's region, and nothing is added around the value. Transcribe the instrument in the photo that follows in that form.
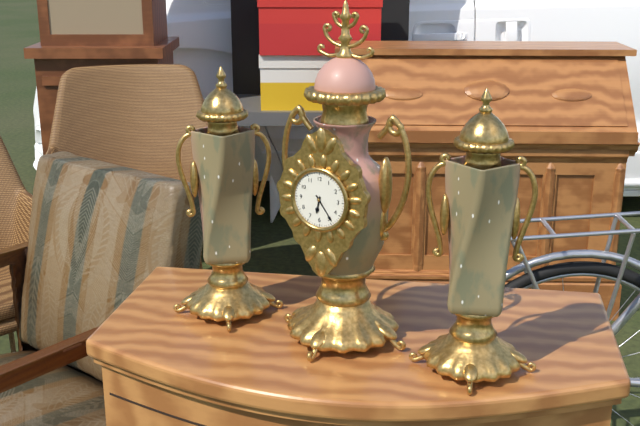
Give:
6h24
